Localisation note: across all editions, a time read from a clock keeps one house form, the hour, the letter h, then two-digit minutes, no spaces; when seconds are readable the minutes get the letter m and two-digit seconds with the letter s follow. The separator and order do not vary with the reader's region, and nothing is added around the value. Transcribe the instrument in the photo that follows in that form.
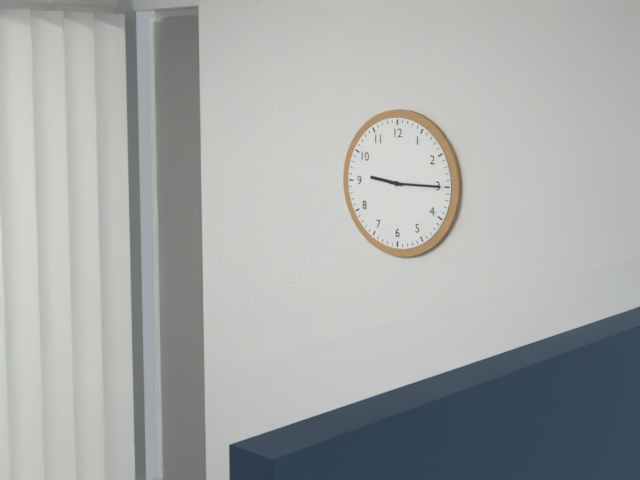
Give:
9h15
